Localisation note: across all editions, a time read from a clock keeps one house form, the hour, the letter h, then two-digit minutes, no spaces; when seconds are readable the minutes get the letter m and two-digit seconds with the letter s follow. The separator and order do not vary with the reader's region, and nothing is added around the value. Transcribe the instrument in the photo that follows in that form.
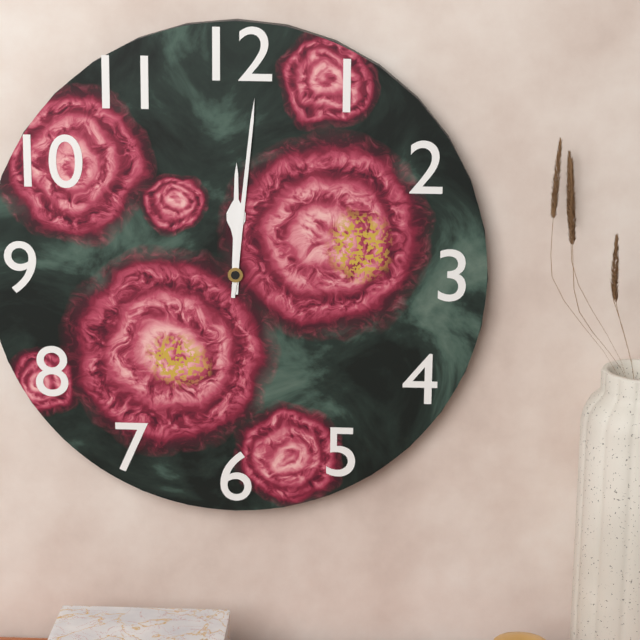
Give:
12h01
